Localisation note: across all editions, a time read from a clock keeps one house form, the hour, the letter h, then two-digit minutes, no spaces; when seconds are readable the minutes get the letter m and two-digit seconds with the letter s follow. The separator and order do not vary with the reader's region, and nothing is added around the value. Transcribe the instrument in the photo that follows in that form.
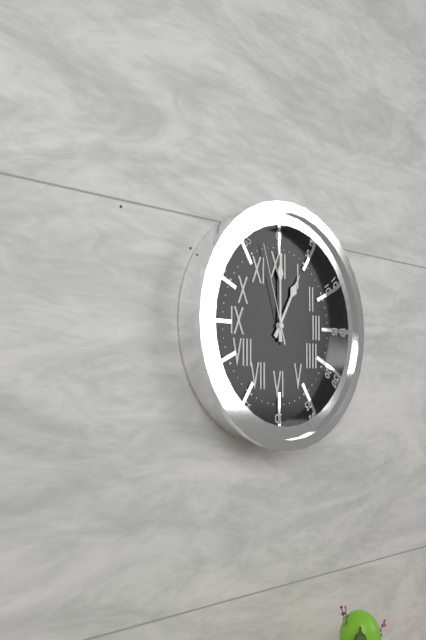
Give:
1h00m57s
